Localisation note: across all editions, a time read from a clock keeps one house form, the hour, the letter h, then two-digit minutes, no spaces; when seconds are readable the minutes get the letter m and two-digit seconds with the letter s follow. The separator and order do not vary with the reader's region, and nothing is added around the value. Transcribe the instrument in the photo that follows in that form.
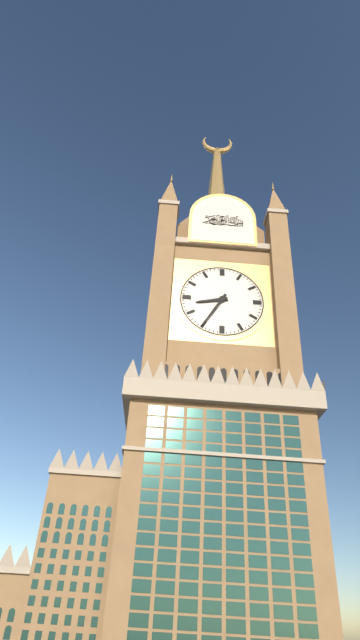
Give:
8h35
